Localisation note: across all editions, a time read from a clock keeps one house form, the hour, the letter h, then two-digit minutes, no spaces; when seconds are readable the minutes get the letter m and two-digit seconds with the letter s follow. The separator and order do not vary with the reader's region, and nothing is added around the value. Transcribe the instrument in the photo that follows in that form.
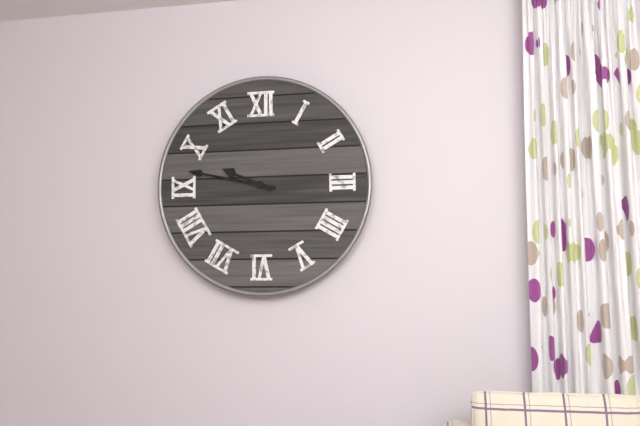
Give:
9h47
